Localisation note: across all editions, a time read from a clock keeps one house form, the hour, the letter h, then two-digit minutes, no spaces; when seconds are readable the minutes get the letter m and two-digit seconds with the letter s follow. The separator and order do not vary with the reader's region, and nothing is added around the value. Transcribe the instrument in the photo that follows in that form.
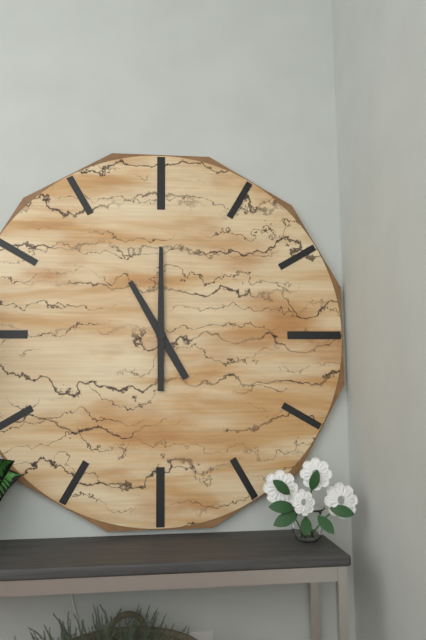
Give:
11h00
